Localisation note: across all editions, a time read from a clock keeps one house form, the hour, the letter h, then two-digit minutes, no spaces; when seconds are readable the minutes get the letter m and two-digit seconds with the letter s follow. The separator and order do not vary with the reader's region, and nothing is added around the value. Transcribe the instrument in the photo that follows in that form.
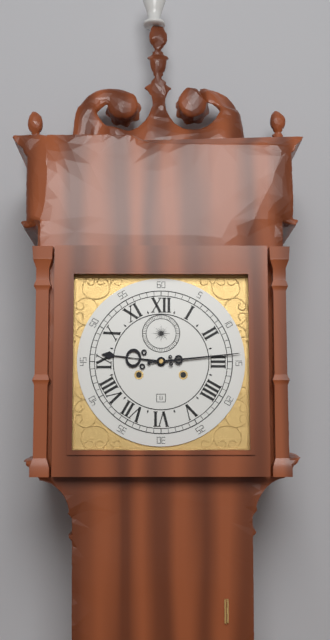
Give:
9h14
